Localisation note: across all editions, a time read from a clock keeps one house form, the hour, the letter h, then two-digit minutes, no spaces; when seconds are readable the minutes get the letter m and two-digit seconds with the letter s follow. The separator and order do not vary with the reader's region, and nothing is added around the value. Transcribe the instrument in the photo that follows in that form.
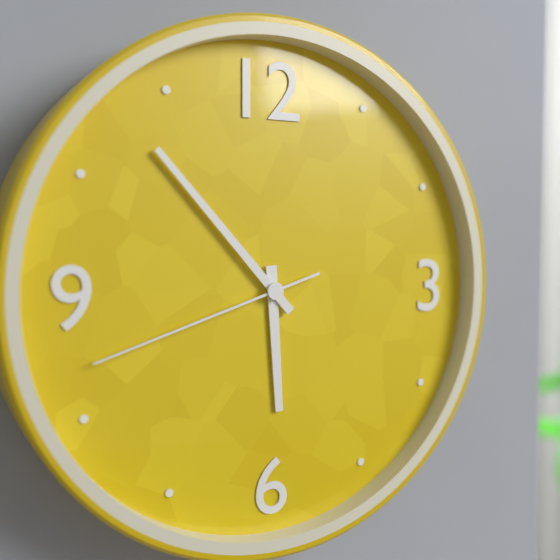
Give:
5h53m42s
